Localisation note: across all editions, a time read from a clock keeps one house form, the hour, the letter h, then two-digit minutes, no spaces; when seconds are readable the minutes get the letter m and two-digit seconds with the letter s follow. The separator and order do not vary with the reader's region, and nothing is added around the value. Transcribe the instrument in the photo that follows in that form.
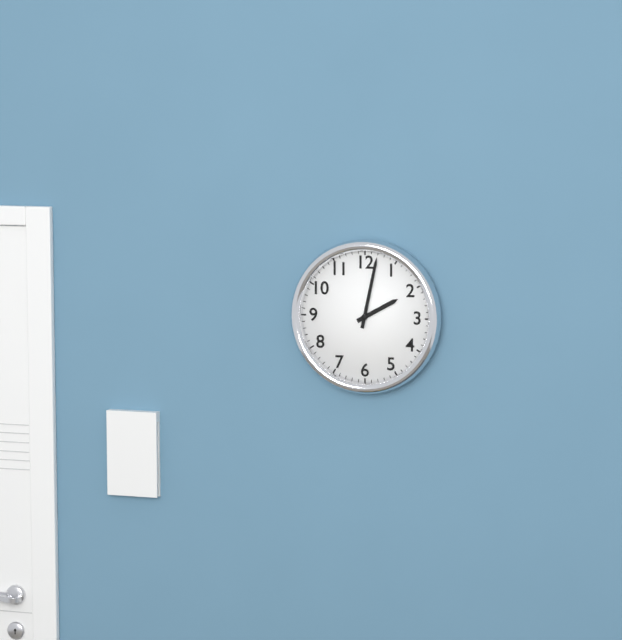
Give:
2h02
